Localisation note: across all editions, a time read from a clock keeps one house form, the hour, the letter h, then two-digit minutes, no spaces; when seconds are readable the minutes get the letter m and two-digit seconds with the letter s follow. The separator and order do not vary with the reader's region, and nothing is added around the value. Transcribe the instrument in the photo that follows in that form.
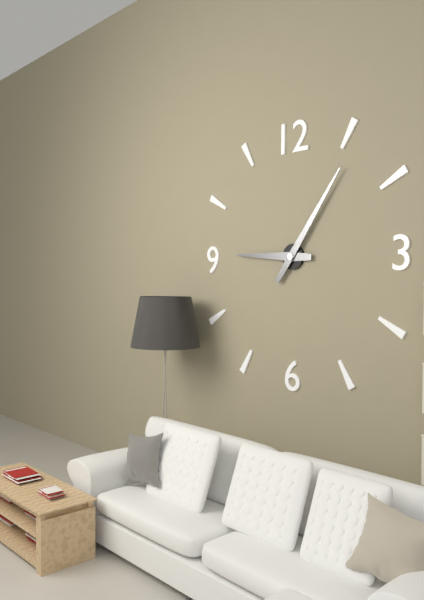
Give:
9h06
